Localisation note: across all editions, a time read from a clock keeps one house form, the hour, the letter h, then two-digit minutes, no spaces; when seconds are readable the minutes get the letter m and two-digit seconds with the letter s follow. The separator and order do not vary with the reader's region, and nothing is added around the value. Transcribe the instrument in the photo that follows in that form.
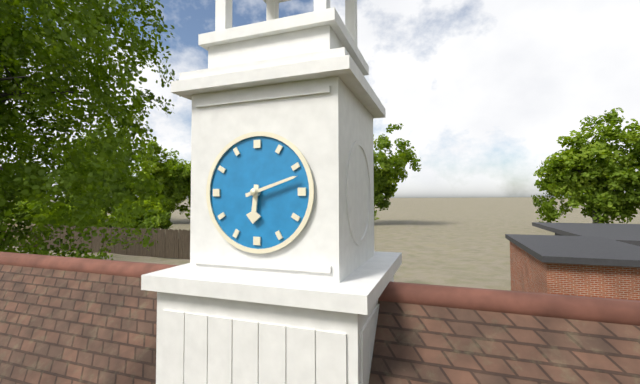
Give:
6h12
